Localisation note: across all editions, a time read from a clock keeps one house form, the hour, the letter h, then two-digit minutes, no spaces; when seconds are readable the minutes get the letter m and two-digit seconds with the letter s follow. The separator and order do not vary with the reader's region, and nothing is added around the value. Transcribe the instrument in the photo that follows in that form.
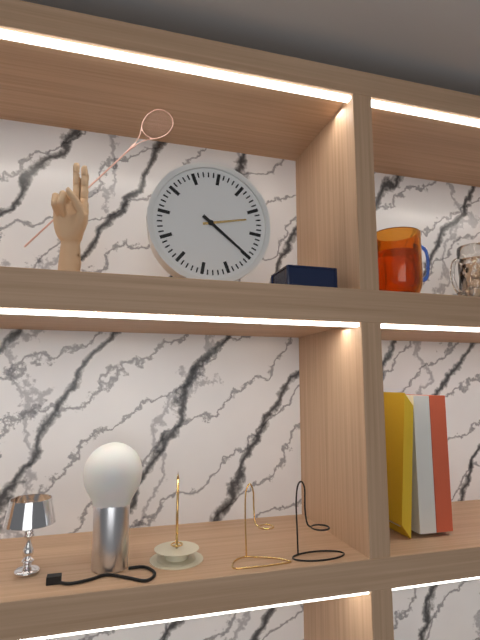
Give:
2h20
